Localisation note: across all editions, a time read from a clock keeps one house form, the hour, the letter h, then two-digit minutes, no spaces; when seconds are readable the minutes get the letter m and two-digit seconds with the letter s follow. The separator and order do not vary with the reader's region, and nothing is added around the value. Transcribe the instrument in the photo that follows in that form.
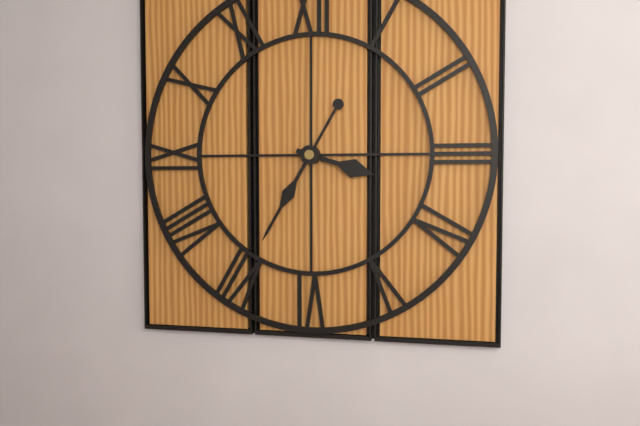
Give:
3h35
